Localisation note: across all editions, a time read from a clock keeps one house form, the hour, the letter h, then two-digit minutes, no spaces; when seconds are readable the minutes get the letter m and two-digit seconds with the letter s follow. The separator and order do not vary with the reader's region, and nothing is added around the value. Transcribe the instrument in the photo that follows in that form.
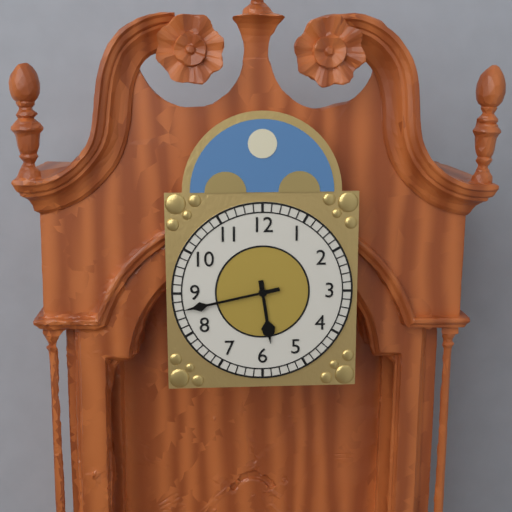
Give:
5h43
